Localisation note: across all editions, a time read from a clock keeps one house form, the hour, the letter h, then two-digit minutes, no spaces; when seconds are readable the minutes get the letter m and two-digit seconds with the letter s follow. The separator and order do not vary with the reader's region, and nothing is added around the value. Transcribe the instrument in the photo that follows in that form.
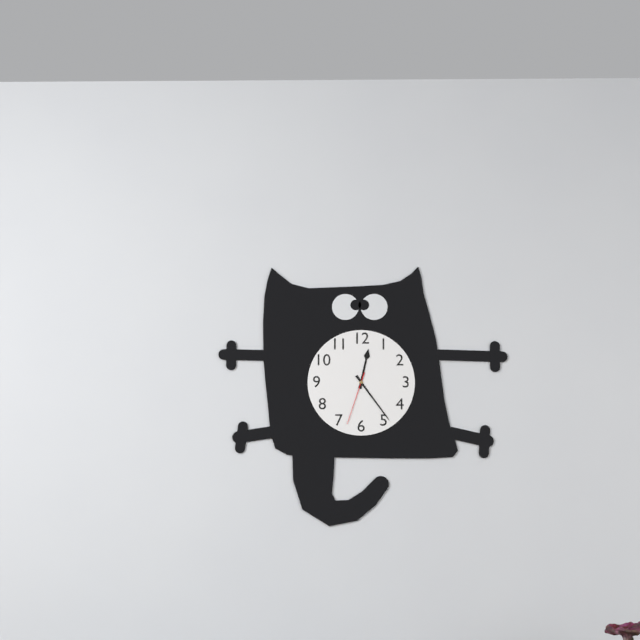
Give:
12h24m33s
